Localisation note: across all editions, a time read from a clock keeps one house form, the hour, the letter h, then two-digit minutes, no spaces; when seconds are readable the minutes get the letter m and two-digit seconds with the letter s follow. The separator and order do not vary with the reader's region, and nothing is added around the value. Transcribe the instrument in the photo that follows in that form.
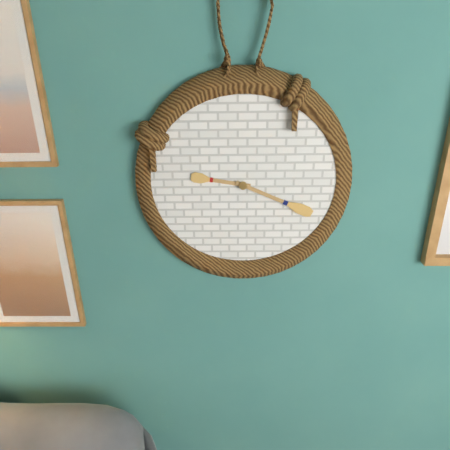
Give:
9h19
